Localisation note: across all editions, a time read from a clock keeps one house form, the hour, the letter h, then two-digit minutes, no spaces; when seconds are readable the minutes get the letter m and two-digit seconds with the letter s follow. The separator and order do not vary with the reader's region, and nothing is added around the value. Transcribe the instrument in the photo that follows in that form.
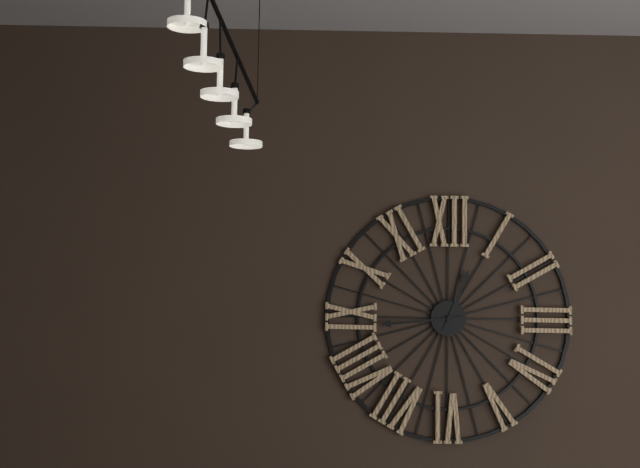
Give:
12h44
